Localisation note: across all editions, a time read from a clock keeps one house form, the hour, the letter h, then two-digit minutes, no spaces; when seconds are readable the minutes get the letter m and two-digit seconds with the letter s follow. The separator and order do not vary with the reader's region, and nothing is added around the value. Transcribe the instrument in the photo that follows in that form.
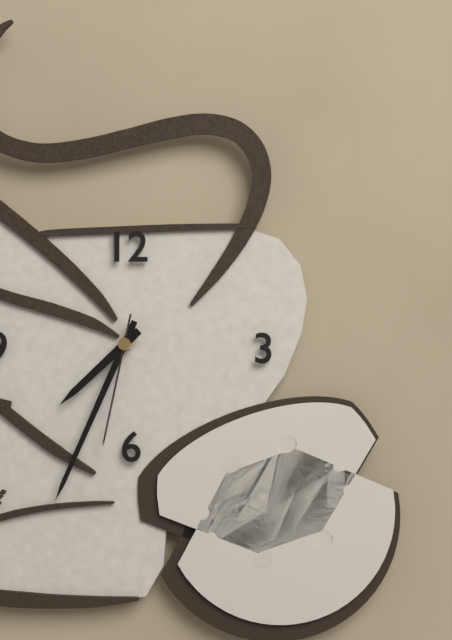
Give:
7h34m32s
